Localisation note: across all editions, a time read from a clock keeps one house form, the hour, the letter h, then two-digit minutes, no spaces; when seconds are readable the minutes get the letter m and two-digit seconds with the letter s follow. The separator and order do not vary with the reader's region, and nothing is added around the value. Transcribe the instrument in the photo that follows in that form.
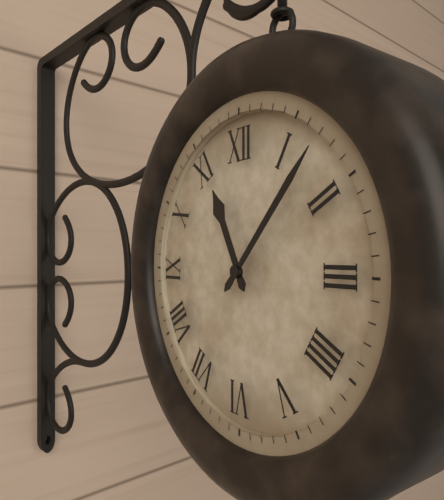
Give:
11h07
